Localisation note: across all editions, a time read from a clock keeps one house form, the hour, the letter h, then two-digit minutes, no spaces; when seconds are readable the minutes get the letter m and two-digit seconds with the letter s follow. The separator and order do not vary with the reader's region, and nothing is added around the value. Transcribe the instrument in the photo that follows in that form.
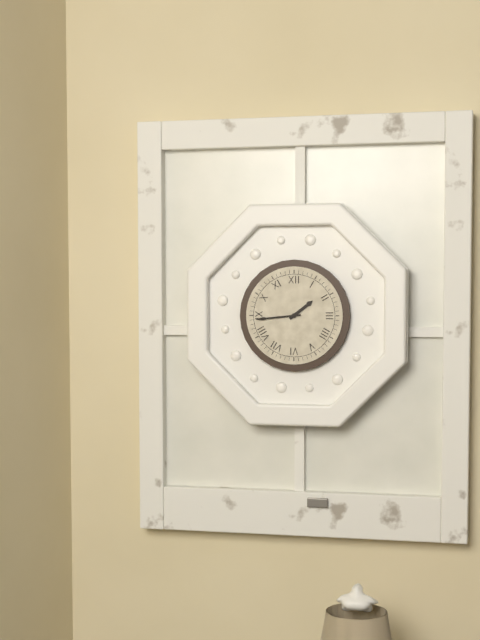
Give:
1h44
